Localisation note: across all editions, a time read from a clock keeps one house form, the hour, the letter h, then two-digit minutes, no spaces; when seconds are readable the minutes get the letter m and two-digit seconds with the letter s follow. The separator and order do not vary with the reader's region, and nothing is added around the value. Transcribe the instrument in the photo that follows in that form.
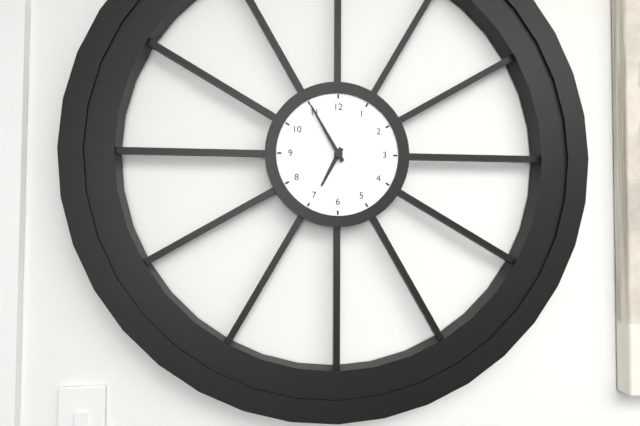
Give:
6h55
